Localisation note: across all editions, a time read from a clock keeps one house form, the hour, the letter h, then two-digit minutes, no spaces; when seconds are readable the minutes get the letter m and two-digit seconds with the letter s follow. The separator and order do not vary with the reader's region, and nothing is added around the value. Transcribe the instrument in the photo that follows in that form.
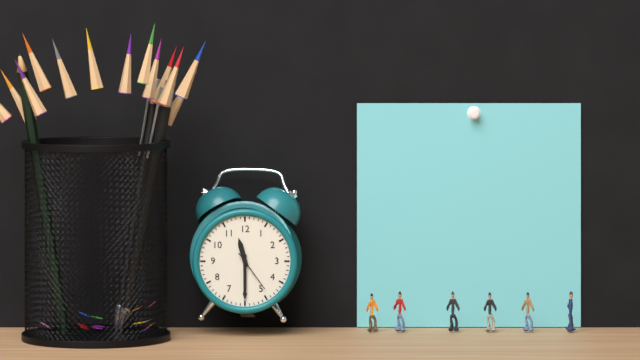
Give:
11h30
